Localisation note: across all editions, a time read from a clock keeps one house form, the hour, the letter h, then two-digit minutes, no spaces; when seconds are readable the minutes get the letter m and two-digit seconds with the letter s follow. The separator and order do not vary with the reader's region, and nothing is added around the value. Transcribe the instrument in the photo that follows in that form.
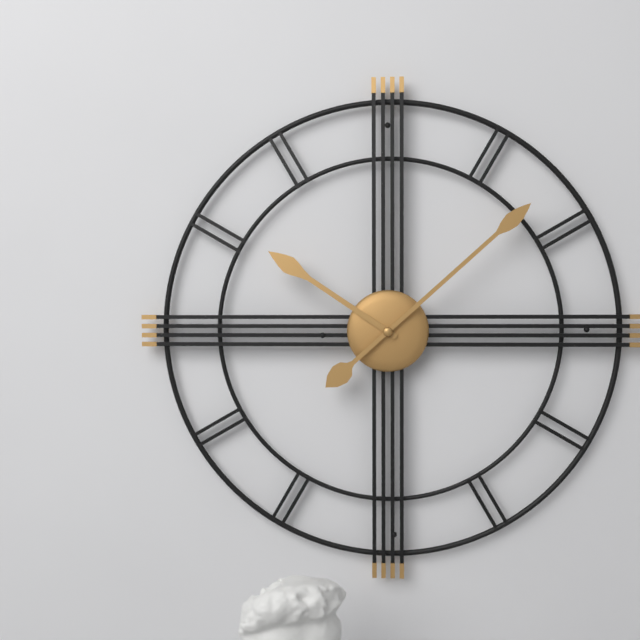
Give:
10h08
